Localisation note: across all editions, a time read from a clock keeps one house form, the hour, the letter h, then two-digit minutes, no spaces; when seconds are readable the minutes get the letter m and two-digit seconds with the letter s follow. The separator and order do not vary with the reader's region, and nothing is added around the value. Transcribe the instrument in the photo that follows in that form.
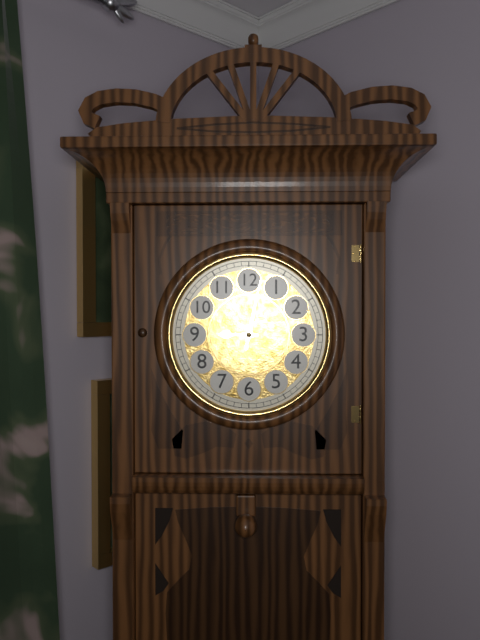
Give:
9h02
